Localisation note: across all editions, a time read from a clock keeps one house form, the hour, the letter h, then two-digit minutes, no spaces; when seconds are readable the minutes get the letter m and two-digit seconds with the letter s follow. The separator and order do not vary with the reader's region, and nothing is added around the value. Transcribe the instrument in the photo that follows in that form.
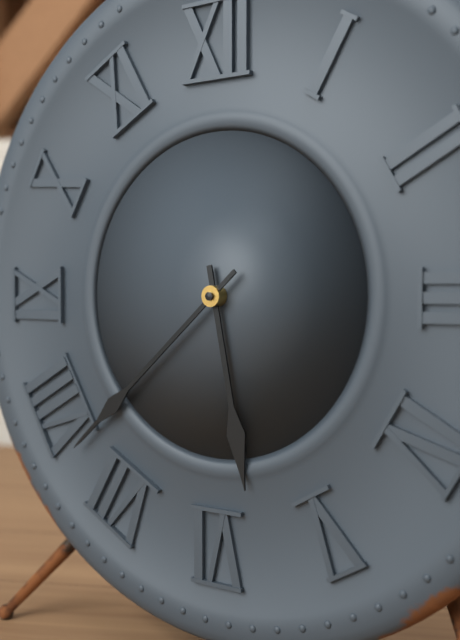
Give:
5h38
